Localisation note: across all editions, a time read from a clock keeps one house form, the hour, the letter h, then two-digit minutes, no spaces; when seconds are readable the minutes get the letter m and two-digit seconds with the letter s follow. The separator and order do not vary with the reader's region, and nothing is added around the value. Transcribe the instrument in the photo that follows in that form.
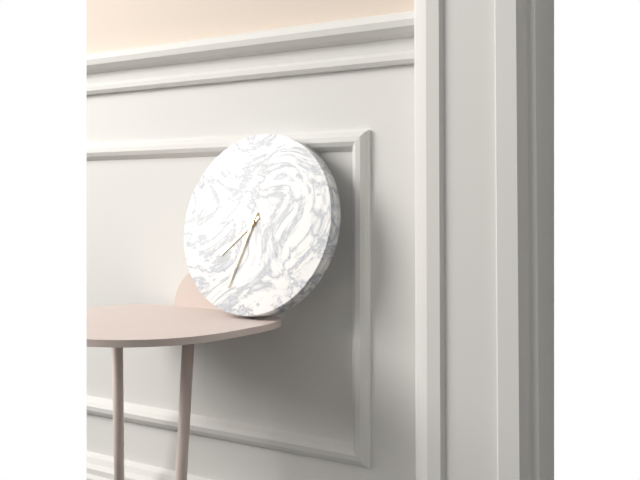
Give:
7h33
